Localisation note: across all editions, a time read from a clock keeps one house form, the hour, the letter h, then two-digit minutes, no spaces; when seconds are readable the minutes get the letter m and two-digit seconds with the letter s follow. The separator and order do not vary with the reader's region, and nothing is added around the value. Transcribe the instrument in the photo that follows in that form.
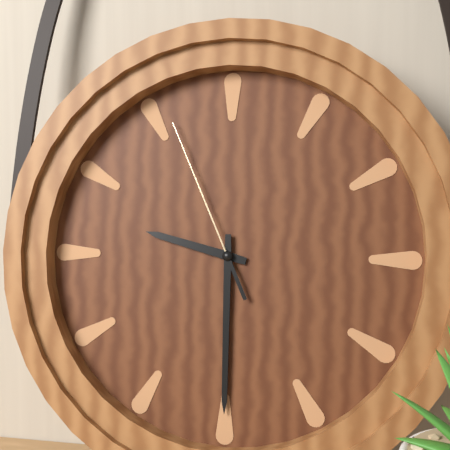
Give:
9h30m56s
